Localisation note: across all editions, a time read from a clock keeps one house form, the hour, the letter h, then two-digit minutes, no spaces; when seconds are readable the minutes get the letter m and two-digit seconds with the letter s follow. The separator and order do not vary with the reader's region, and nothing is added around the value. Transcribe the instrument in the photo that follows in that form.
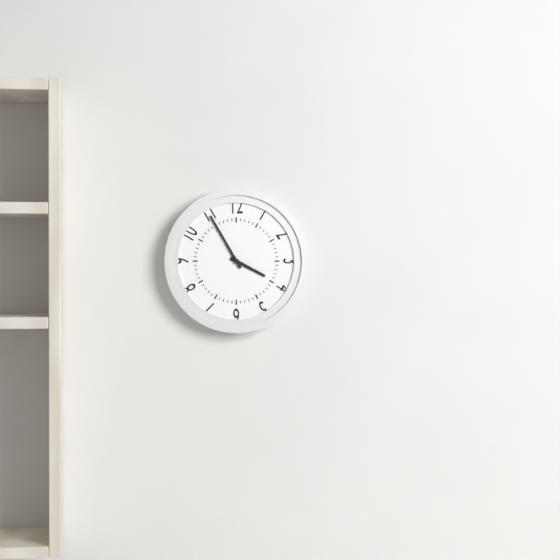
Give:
3h55
